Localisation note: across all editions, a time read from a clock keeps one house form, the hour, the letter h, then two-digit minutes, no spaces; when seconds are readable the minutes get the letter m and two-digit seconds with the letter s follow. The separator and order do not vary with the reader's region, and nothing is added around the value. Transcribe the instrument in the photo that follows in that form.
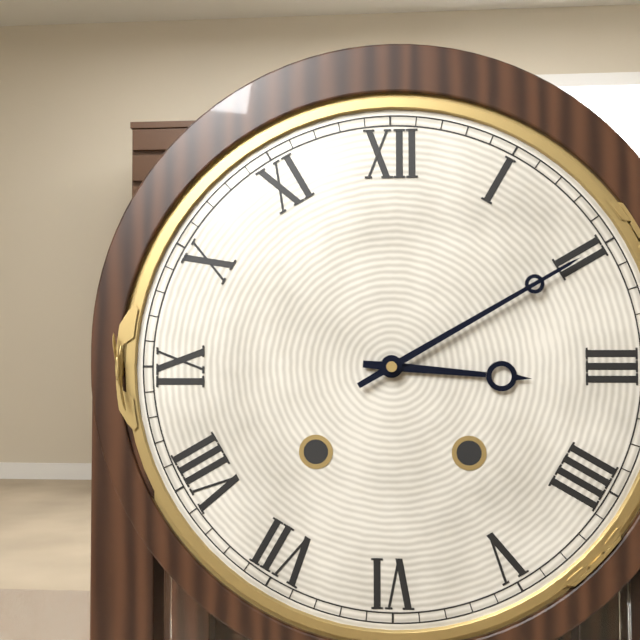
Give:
3h10
